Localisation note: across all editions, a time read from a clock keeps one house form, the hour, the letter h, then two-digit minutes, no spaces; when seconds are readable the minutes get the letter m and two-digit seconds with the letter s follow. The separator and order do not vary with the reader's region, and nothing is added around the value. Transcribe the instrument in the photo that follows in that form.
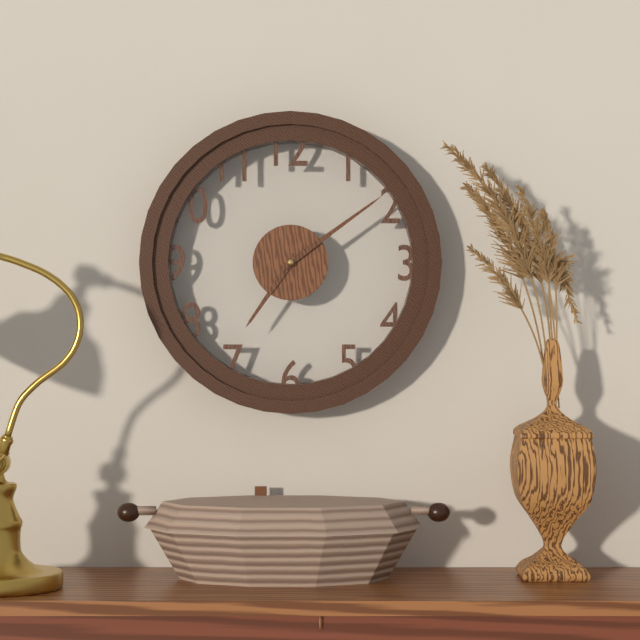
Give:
7h09
